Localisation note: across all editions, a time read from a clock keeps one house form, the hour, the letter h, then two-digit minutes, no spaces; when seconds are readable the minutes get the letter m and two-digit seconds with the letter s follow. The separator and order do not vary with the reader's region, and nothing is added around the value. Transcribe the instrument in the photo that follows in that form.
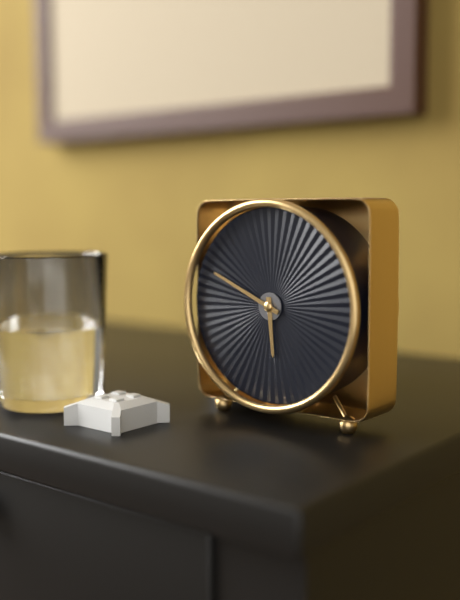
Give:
5h49
